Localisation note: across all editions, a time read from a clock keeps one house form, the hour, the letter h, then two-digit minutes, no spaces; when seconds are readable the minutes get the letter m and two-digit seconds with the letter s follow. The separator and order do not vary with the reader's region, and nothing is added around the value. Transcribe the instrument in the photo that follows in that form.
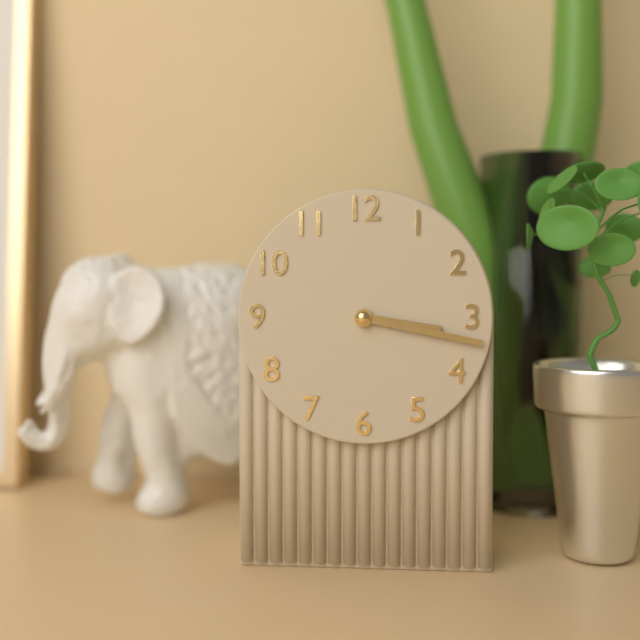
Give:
3h17
